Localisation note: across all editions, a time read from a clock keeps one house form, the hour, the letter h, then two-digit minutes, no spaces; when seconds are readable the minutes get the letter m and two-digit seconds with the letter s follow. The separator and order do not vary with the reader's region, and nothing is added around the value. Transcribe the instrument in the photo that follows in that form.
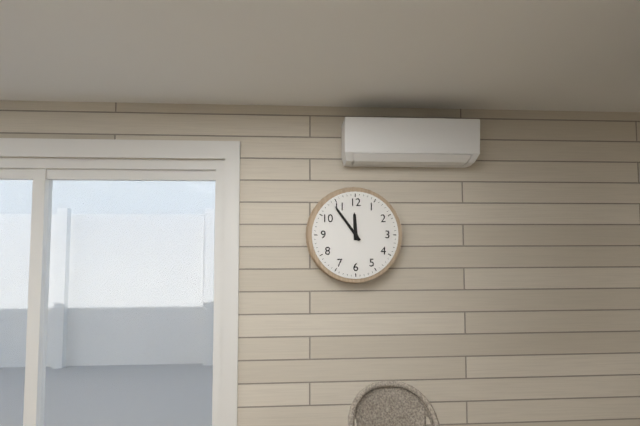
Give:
11h54
